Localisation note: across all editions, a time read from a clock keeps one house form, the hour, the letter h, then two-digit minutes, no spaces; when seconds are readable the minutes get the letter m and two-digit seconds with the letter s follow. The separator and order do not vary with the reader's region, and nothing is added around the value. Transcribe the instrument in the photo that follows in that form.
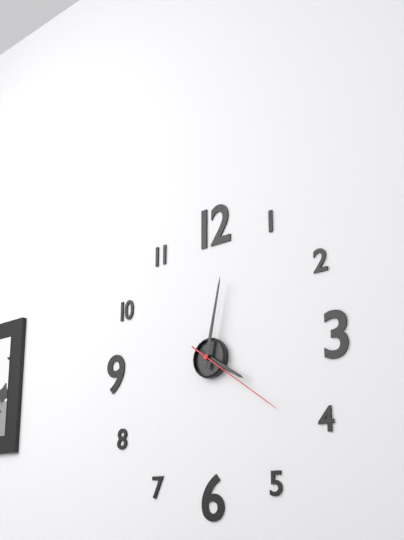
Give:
4h02m21s
